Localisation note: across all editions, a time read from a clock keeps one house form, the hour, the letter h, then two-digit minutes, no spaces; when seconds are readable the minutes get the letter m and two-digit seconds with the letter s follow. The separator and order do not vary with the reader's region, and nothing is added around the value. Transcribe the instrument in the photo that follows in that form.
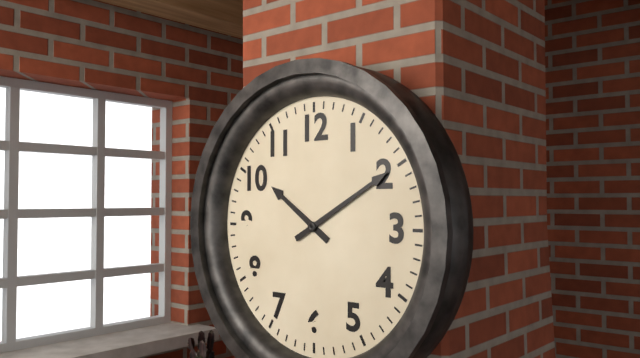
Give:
10h10
